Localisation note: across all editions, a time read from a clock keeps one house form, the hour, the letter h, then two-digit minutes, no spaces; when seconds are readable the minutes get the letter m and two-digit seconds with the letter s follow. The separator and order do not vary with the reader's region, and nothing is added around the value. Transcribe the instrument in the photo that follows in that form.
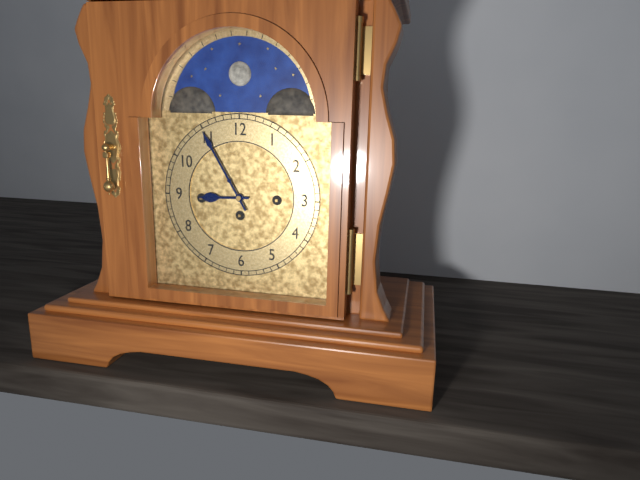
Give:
8h55
